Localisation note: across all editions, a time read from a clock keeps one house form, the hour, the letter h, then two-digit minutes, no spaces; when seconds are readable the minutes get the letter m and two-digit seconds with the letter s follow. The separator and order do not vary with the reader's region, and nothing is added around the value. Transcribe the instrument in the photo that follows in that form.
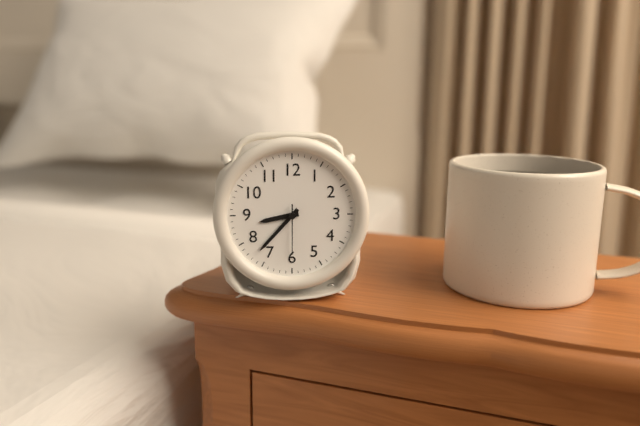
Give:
8h37m30s
